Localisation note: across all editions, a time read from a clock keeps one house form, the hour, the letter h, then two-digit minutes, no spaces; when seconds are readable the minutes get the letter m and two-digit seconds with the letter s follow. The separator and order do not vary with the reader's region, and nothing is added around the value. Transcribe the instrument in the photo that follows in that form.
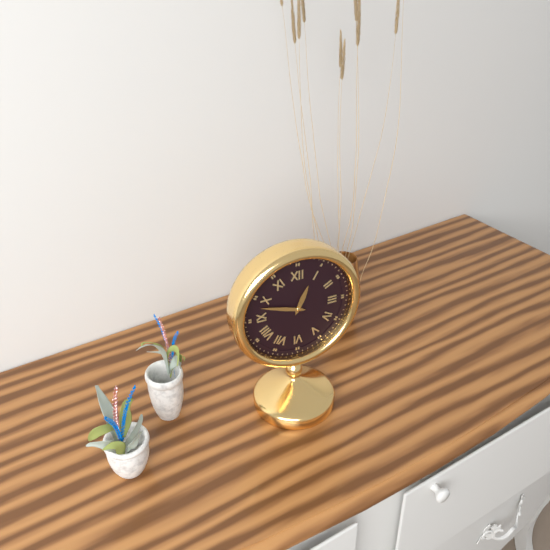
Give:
12h48
